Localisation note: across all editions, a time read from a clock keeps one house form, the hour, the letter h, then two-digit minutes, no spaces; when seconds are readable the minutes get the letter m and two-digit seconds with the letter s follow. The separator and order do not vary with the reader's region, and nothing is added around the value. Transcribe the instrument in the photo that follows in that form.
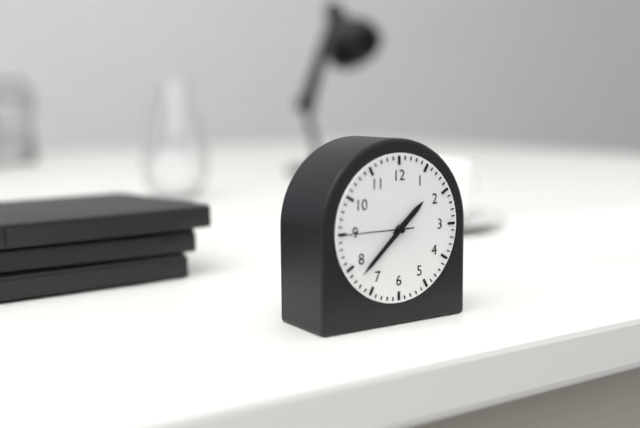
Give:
1h38
